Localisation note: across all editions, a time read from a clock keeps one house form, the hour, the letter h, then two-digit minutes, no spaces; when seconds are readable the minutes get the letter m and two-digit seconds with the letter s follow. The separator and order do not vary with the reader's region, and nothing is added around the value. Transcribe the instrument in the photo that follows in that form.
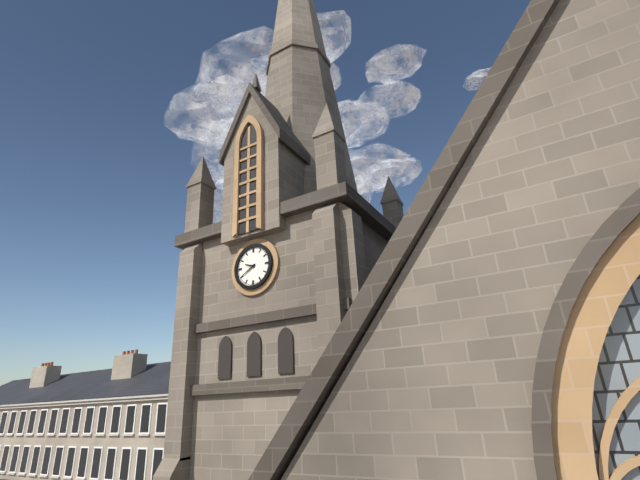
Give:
9h40
